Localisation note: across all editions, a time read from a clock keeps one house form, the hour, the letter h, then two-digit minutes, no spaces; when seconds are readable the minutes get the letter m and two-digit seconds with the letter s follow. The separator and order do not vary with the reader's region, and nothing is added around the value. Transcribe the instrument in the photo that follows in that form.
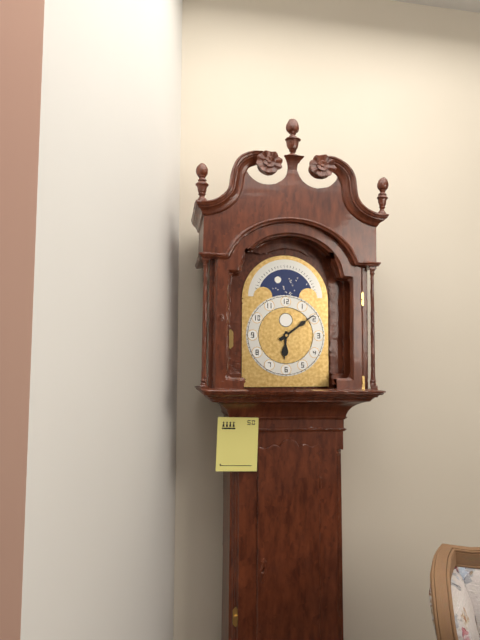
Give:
6h09
